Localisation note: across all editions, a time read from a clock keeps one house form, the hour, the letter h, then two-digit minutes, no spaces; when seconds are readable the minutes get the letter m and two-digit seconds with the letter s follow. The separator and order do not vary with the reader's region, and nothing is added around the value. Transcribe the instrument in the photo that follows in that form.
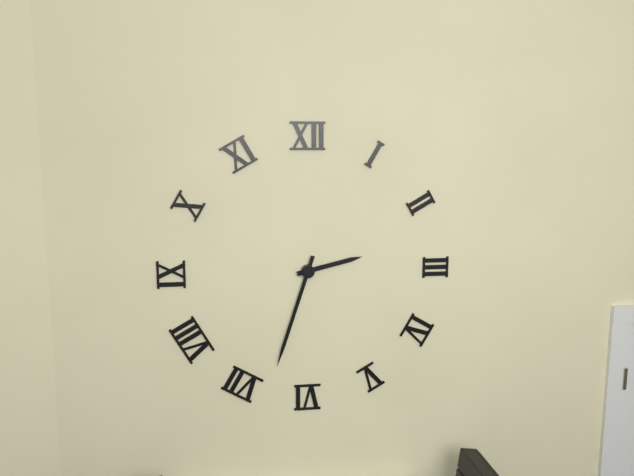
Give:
2h33
